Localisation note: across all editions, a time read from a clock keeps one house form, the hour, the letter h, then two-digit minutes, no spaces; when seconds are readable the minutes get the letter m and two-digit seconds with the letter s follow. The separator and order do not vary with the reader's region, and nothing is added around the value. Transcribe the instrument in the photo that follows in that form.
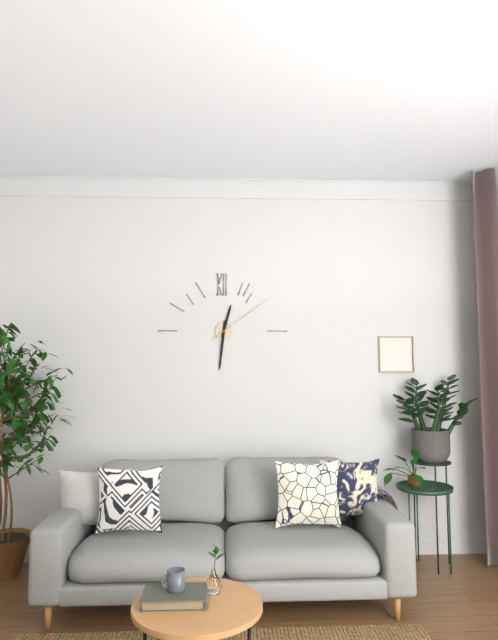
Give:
12h31m09s
